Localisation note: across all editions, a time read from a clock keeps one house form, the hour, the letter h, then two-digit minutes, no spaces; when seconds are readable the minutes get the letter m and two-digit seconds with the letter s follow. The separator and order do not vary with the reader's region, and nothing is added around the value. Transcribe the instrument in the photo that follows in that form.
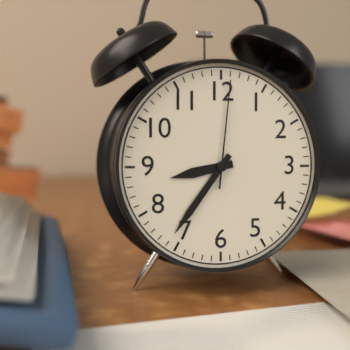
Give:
8h36m01s
